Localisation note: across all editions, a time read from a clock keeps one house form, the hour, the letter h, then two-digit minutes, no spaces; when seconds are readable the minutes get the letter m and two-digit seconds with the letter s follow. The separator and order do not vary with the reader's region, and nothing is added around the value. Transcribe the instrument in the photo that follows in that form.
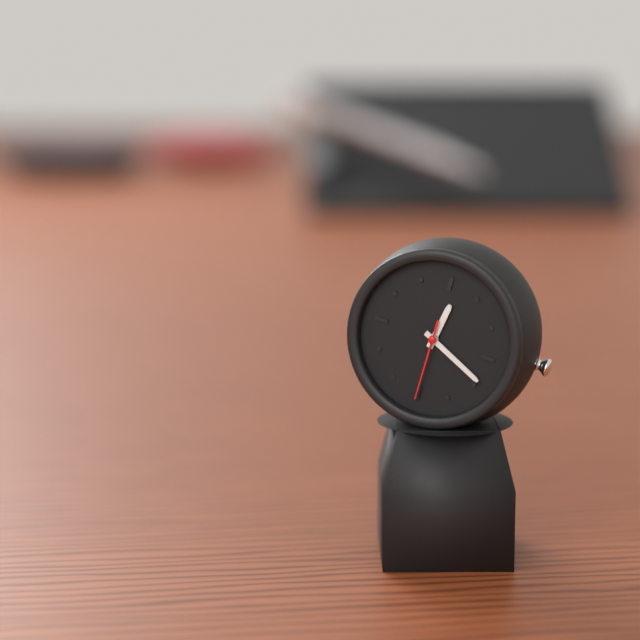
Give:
12h19m30s
